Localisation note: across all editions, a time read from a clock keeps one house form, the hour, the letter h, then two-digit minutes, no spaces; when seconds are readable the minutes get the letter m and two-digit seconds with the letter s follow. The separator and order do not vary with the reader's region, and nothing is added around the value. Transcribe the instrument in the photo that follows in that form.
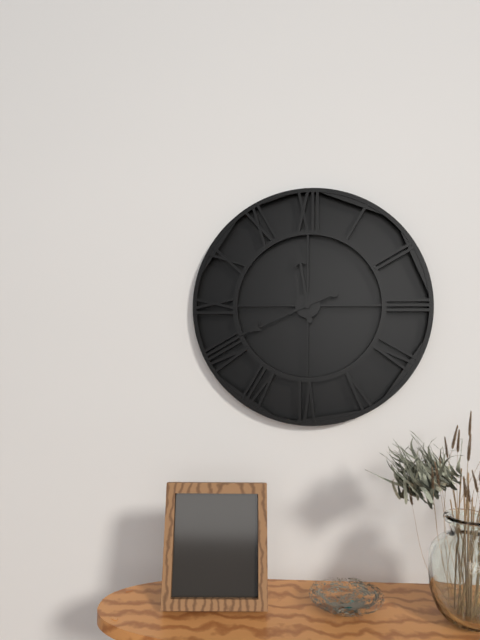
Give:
11h41
